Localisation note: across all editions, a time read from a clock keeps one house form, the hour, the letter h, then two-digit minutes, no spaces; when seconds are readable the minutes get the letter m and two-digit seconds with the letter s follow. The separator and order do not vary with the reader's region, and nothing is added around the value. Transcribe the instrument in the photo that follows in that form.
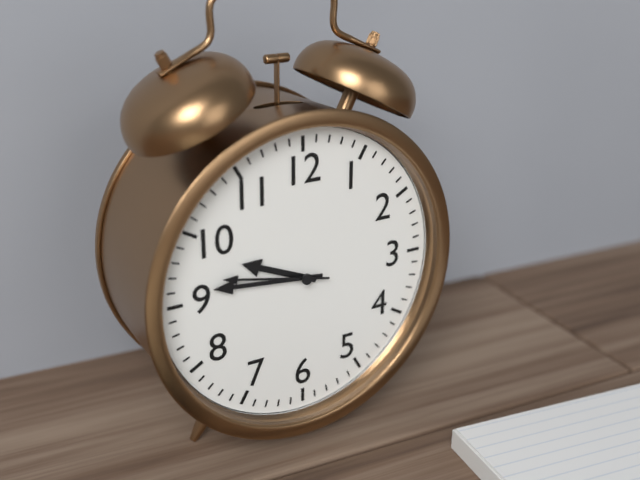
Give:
9h46m47s
